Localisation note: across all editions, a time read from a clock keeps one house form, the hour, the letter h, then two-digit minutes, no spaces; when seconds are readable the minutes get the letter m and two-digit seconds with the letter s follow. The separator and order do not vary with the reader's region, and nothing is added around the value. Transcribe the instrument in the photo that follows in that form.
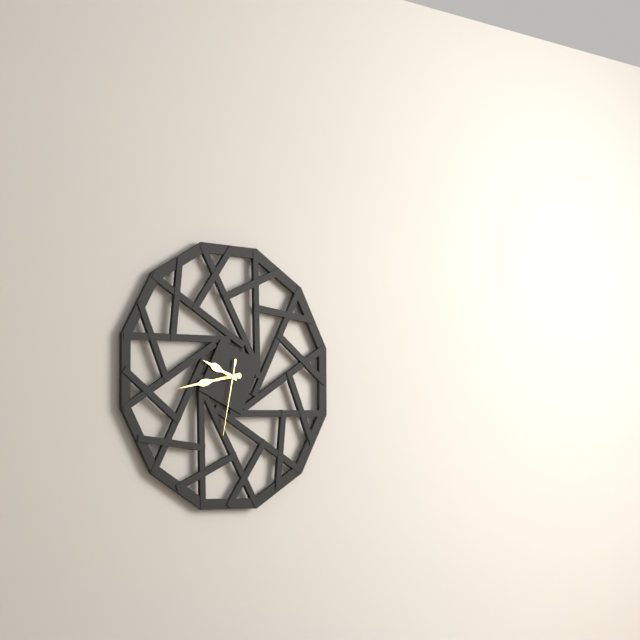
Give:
9h43m32s
